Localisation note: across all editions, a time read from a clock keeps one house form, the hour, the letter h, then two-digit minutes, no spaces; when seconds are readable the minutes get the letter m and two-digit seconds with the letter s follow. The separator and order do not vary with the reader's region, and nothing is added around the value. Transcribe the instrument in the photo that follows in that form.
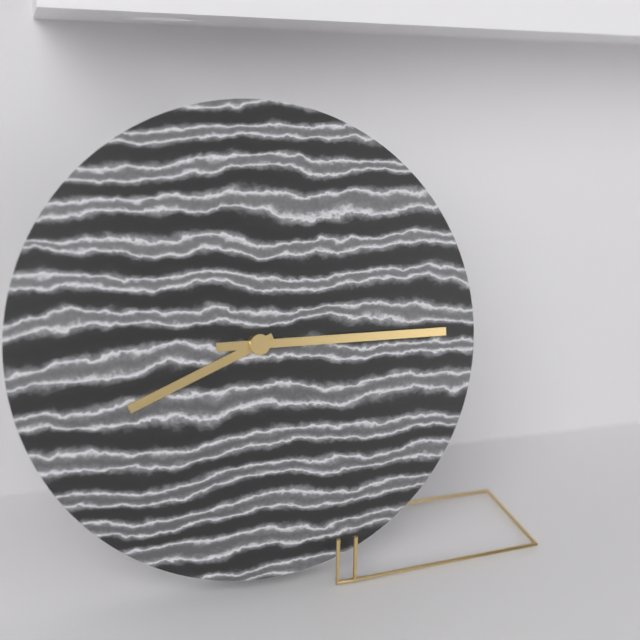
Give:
8h15
